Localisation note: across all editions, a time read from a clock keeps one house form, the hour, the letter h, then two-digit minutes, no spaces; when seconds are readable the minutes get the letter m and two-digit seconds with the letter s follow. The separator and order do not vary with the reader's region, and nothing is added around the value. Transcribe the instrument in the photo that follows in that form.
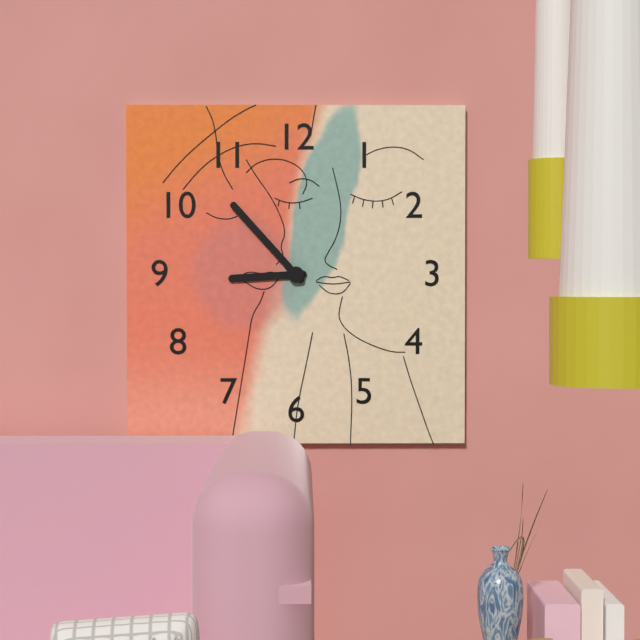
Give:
8h53
